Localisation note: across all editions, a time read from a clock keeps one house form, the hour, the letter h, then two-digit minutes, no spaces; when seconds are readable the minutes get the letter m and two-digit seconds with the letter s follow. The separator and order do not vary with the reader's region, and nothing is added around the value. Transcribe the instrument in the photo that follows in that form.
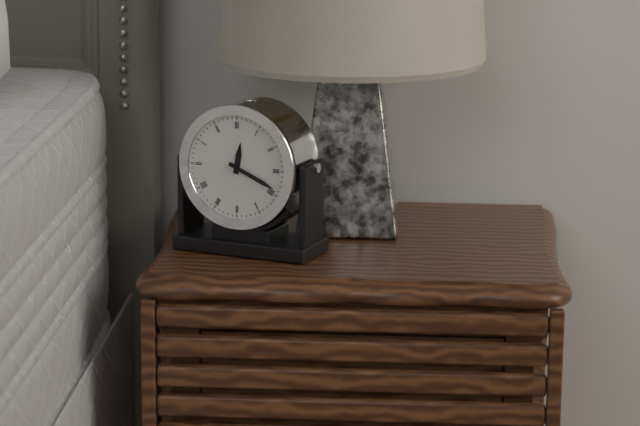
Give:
12h19
